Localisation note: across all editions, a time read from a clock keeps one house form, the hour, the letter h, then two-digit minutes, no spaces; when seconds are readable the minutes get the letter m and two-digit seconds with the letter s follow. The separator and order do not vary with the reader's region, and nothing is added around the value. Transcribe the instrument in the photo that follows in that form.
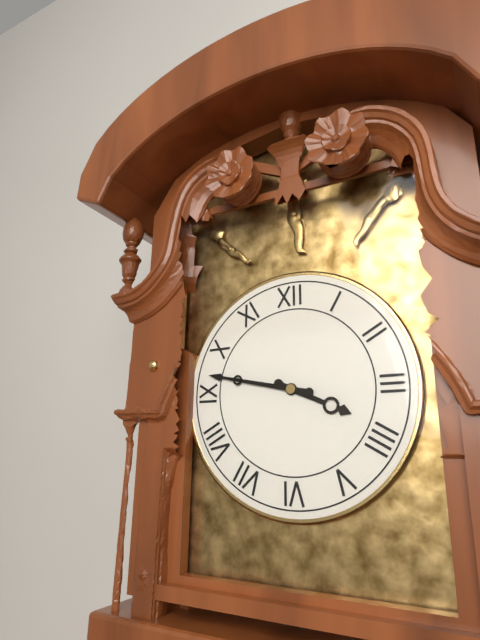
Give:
3h47
